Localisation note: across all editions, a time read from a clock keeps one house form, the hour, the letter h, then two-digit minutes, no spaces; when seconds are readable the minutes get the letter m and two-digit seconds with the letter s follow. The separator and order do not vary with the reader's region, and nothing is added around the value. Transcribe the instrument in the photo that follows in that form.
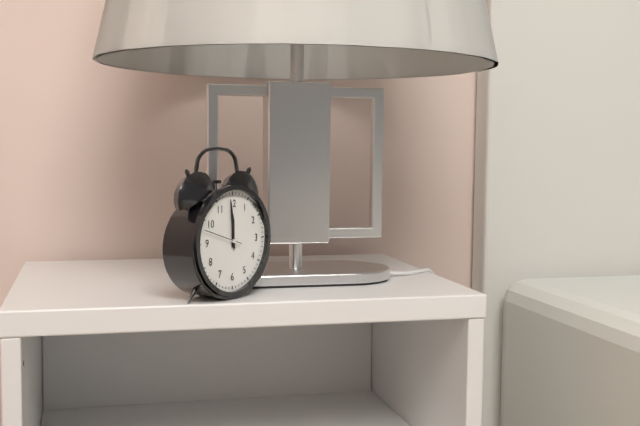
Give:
11h59
